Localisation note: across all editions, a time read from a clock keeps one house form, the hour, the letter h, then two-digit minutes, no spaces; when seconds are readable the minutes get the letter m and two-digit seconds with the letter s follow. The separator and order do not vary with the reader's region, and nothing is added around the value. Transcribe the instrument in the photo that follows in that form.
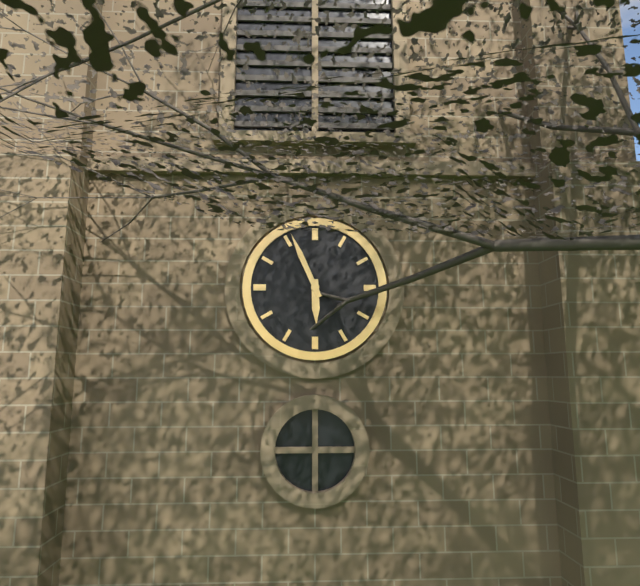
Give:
5h56
